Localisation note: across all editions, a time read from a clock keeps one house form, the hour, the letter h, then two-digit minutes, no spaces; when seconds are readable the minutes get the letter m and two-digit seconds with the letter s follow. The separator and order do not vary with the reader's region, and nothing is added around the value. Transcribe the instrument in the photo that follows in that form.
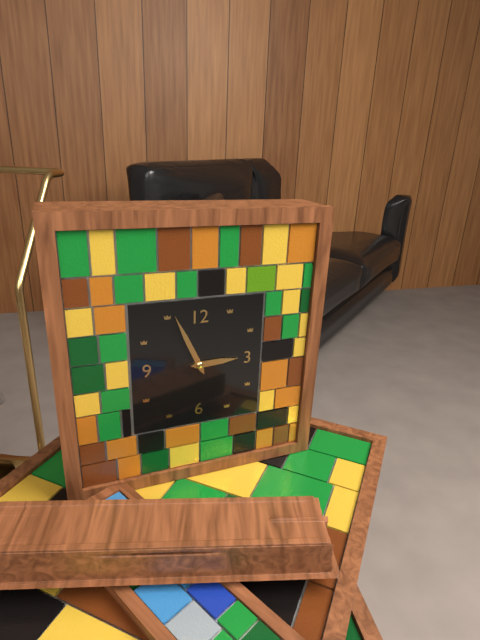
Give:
2h56
